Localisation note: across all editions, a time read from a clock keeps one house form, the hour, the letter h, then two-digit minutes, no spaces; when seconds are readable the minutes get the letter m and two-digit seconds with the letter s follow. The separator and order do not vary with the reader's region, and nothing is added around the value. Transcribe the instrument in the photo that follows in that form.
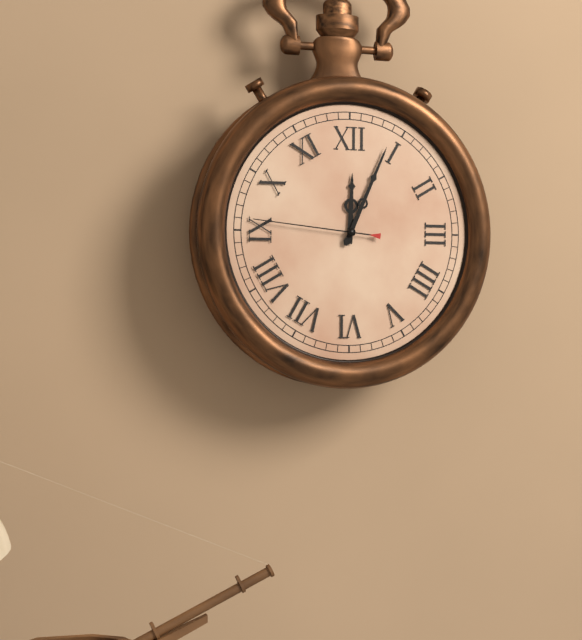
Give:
12h04m46s
